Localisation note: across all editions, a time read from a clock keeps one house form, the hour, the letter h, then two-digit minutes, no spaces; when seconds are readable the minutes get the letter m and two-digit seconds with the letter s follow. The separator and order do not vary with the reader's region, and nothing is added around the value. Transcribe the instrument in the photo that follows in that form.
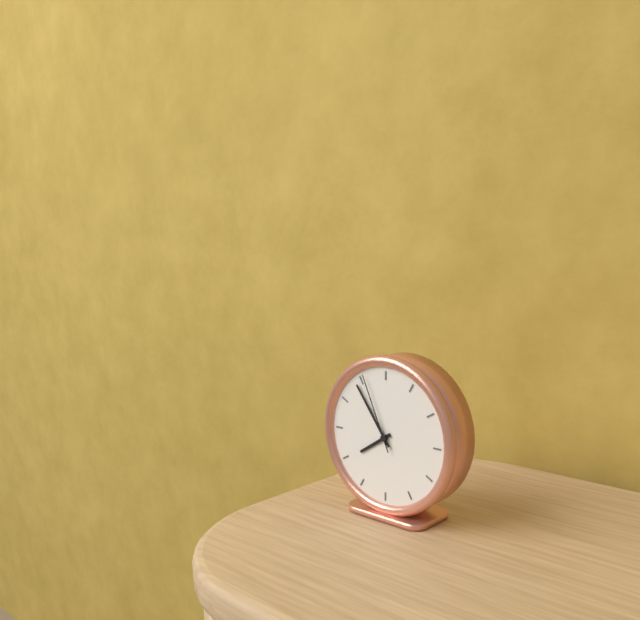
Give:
7h54m56s
